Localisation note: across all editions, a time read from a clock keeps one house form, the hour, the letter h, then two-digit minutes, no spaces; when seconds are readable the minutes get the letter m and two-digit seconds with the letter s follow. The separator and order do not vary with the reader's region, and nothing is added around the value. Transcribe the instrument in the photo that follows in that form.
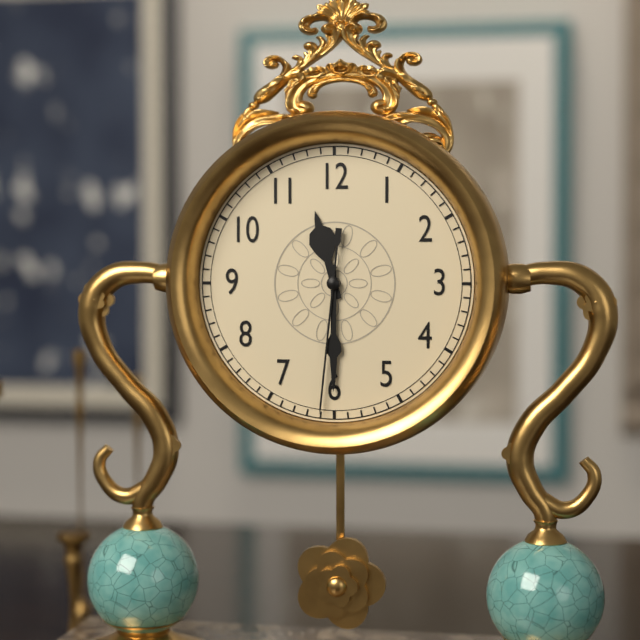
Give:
11h30m31s
